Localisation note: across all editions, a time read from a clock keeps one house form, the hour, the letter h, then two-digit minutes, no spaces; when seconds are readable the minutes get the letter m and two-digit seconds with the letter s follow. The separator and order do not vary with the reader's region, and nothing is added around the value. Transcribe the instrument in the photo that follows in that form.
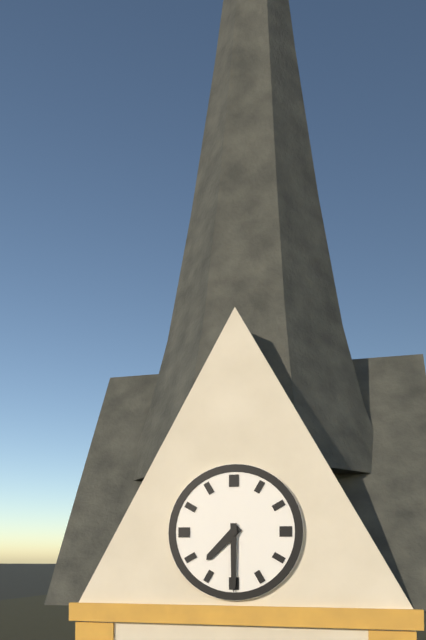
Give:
7h30
